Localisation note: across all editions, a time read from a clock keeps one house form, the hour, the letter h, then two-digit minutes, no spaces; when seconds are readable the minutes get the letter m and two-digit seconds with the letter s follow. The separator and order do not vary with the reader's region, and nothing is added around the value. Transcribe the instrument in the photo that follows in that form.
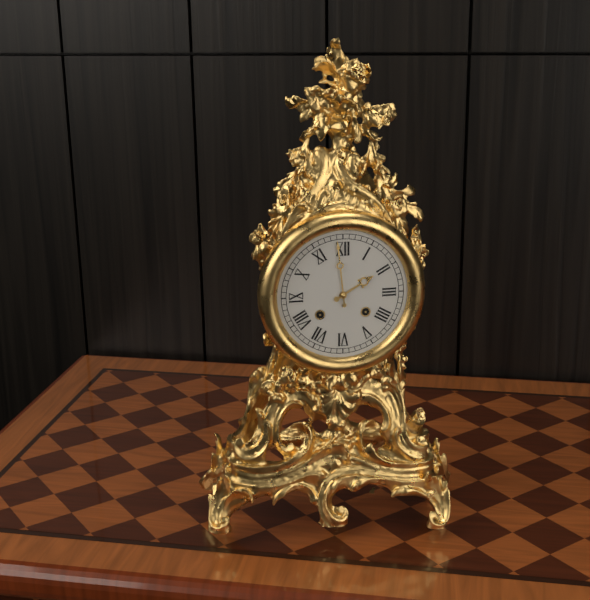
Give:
1h59
